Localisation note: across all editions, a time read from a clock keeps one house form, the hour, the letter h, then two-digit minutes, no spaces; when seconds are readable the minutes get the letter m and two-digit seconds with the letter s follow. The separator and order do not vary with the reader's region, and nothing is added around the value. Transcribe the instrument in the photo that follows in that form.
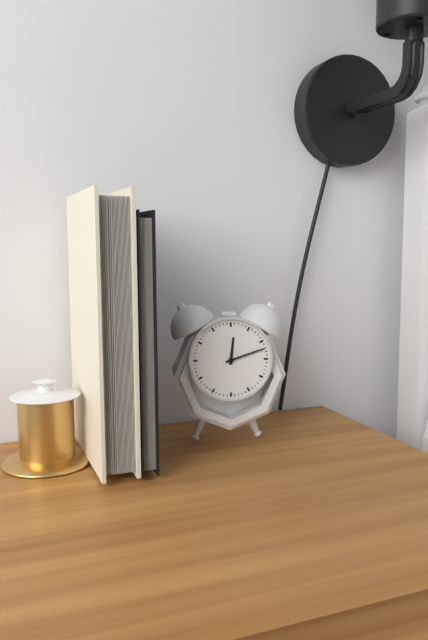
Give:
12h12
